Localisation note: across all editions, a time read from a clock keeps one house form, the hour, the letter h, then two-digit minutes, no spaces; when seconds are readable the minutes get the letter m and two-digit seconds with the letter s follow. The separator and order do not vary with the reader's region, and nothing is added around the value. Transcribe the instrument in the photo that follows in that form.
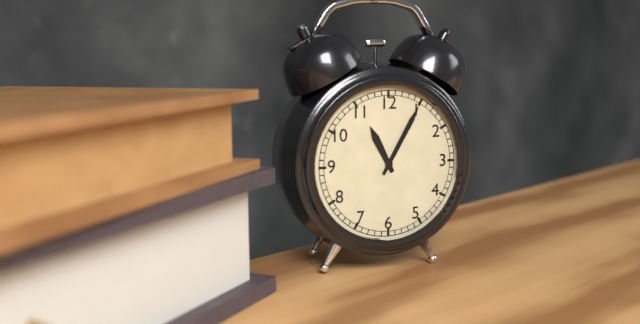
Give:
11h05
